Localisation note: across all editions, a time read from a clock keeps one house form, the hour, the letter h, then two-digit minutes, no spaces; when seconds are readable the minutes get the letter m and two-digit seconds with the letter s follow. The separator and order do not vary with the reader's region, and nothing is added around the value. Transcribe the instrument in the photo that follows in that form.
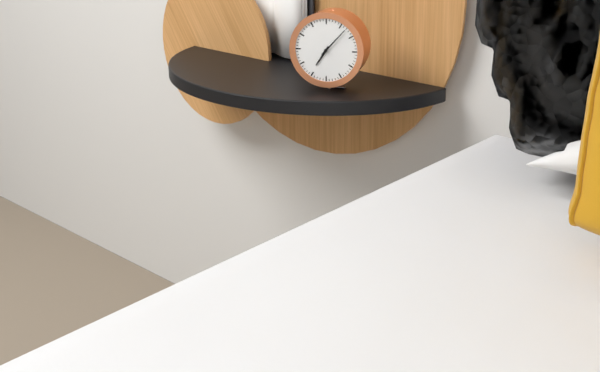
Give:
7h07
